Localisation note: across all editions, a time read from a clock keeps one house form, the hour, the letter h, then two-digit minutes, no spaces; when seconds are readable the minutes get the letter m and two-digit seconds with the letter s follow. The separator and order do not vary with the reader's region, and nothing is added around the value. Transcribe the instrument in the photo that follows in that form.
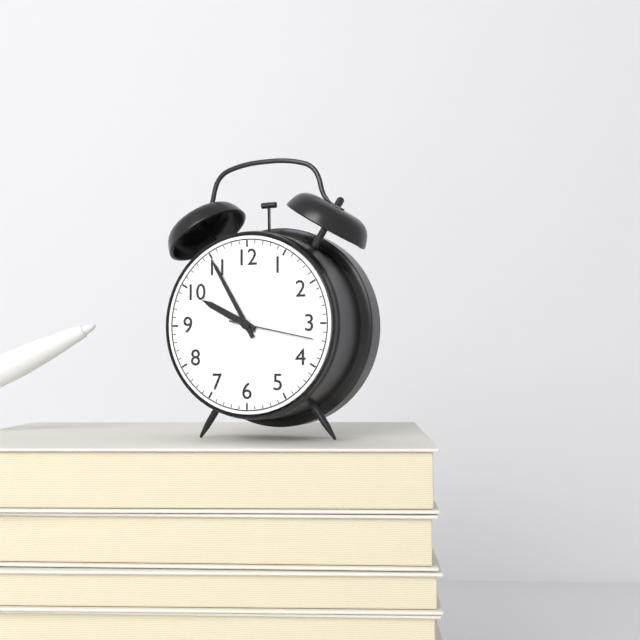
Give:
9h55m17s
